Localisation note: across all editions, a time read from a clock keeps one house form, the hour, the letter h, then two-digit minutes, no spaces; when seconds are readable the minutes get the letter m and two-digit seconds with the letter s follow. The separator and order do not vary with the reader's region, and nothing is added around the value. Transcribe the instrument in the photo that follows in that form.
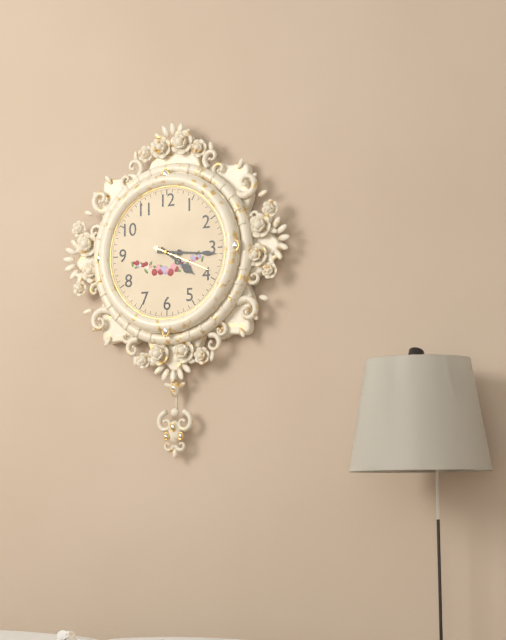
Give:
4h16m19s
